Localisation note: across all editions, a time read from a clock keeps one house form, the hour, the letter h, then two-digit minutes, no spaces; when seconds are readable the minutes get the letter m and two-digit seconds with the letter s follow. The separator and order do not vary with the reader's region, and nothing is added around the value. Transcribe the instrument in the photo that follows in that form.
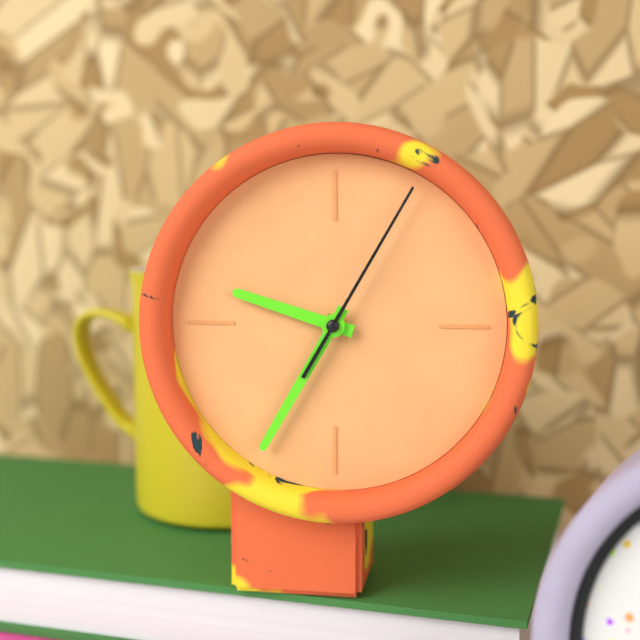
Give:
9h35m05s
